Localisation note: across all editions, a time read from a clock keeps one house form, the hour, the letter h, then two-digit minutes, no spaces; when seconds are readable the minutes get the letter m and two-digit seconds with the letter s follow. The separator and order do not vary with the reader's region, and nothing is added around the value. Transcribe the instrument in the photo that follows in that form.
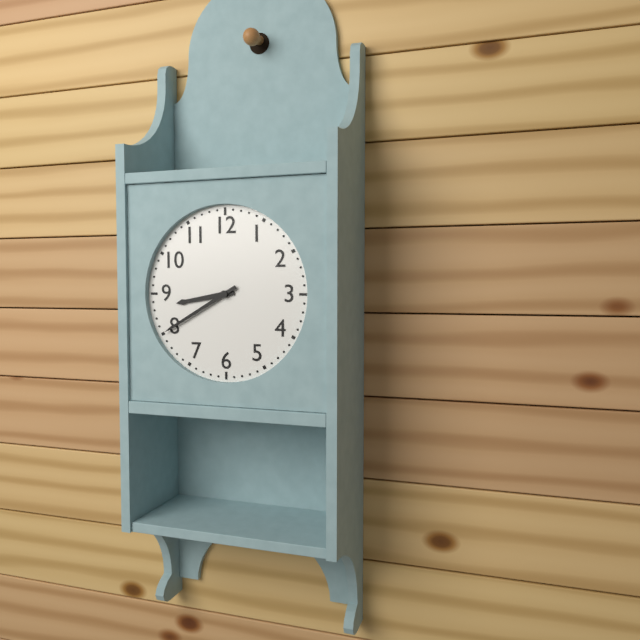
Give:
8h40
